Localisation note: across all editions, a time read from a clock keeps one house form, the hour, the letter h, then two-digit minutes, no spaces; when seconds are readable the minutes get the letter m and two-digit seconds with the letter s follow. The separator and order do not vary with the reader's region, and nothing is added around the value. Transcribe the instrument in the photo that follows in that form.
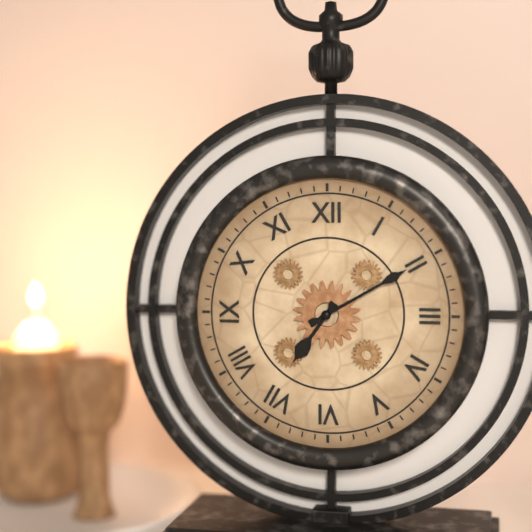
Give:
7h10
